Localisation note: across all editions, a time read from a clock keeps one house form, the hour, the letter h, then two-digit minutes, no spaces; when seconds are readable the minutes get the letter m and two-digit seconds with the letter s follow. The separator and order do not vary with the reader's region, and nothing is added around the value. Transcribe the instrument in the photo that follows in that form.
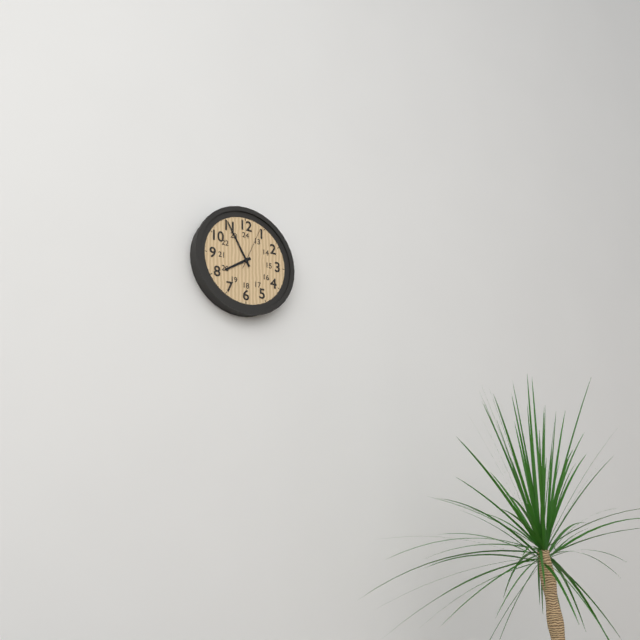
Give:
7h55
